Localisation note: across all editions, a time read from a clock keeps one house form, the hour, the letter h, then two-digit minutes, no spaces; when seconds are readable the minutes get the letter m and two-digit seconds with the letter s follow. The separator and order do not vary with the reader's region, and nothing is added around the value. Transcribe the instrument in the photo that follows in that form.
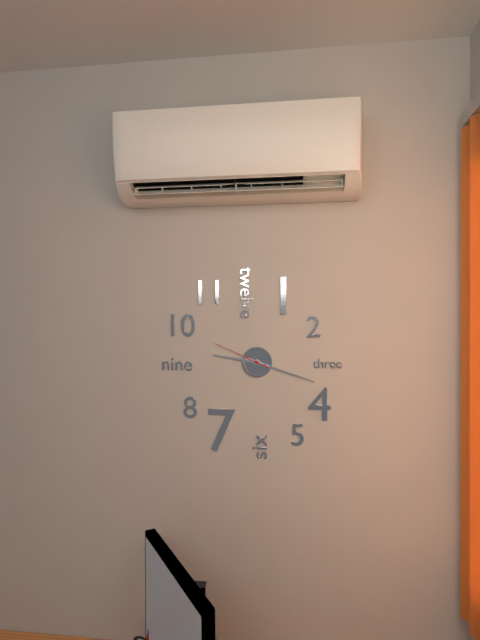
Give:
9h18m49s
